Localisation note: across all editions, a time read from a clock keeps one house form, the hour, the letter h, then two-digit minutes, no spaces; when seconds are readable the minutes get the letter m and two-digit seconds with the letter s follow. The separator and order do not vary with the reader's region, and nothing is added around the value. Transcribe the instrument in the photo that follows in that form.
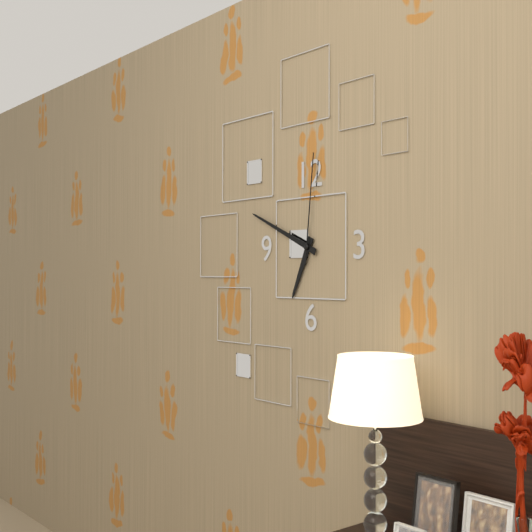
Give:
6h49m01s
